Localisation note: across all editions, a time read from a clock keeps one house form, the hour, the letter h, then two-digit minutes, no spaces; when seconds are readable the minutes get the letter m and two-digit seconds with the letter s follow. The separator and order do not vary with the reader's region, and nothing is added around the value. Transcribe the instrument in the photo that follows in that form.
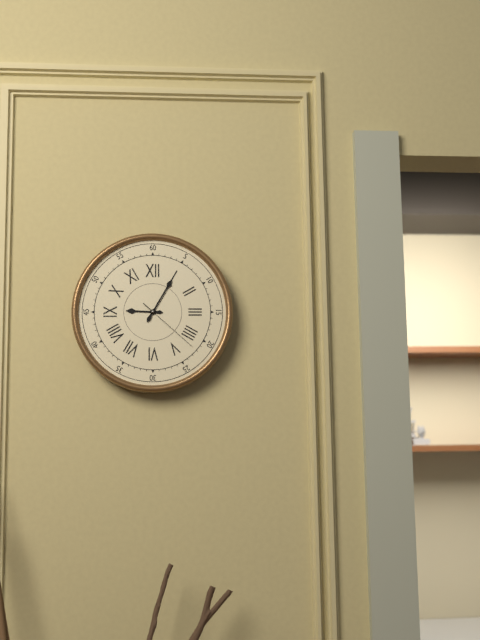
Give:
9h05m22s
